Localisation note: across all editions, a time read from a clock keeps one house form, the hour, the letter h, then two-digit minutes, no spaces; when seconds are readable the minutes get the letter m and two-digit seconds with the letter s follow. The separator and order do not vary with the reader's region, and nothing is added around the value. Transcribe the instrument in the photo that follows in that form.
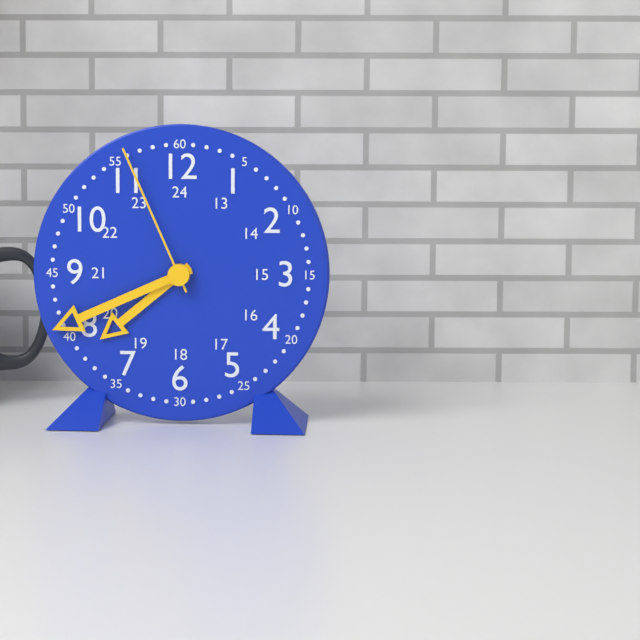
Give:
7h41m56s
